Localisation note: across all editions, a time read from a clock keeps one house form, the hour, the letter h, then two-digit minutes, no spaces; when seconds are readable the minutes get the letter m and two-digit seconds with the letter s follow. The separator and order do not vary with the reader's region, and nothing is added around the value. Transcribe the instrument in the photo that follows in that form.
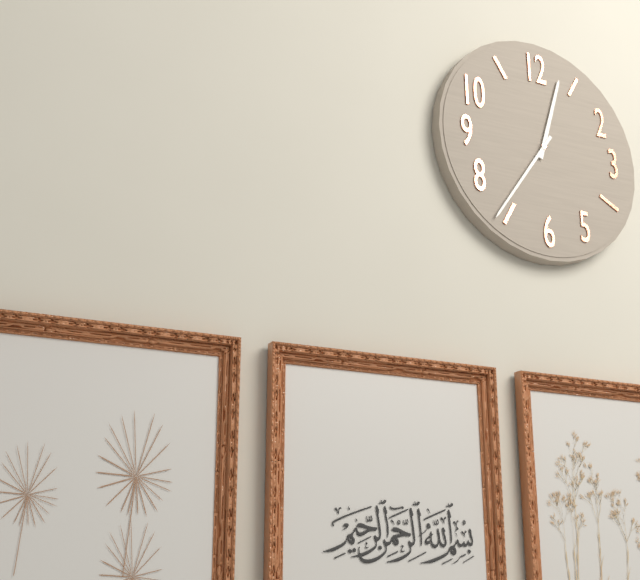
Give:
12h36
